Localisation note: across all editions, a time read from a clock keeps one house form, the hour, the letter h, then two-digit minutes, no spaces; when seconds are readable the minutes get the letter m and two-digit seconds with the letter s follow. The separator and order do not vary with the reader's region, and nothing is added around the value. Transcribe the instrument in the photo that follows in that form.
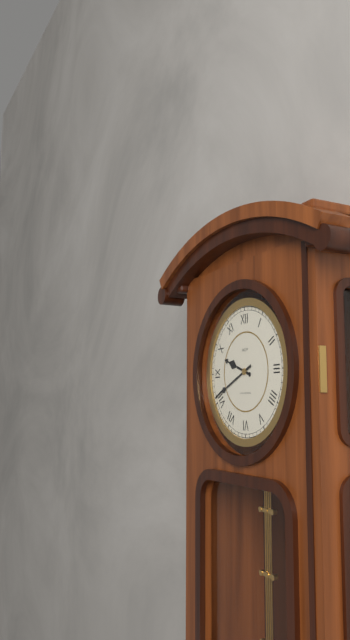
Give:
9h41
